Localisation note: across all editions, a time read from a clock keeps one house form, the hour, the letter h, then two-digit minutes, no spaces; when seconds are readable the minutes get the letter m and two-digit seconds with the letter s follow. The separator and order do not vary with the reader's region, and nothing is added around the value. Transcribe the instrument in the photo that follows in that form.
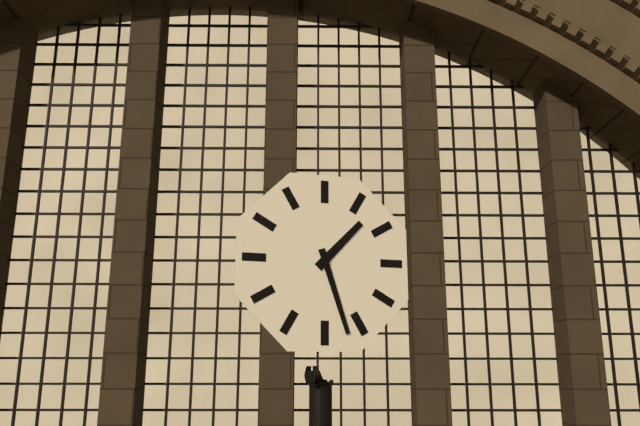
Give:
1h27
